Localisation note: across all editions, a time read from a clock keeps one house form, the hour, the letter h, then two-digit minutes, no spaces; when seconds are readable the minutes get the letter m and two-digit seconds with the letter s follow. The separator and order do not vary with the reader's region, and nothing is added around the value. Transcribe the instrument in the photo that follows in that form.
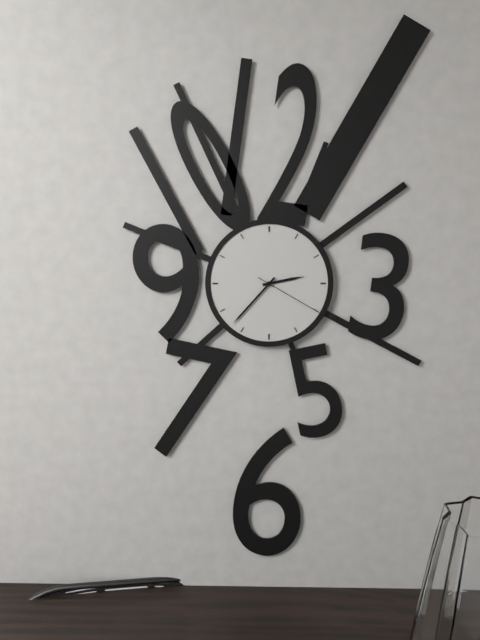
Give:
2h37m20s
